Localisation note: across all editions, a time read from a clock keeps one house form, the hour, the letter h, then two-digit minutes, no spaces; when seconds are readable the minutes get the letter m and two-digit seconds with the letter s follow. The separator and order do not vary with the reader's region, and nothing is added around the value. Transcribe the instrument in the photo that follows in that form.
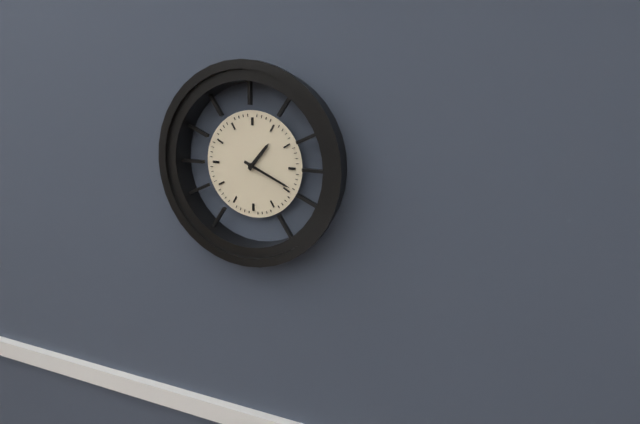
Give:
1h19
